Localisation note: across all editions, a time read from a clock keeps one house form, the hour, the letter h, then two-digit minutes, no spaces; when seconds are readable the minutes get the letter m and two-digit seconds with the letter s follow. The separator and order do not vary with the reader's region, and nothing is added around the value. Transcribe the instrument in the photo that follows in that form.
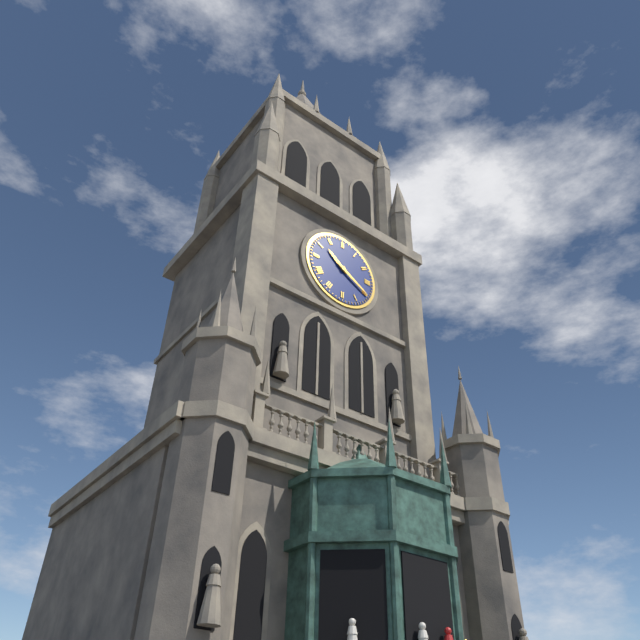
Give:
10h20
